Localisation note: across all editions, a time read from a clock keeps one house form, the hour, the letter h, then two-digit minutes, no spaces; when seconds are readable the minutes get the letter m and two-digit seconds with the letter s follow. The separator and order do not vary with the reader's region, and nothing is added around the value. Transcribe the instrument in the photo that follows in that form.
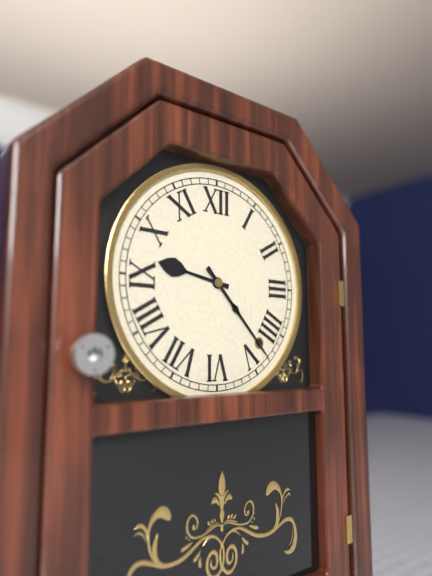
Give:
9h23
